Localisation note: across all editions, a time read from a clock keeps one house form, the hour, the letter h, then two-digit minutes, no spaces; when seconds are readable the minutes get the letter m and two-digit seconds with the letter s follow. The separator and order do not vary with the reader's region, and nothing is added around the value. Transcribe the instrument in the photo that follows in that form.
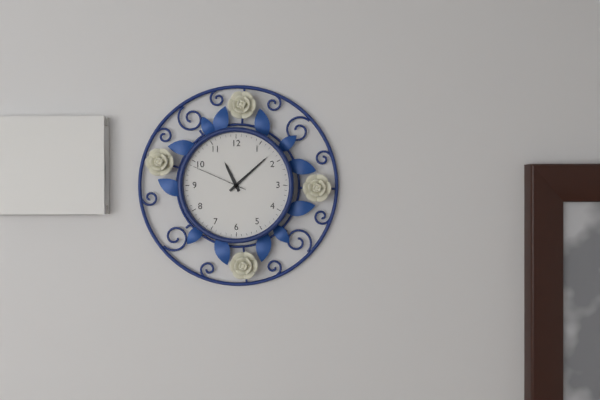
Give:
11h08m49s
